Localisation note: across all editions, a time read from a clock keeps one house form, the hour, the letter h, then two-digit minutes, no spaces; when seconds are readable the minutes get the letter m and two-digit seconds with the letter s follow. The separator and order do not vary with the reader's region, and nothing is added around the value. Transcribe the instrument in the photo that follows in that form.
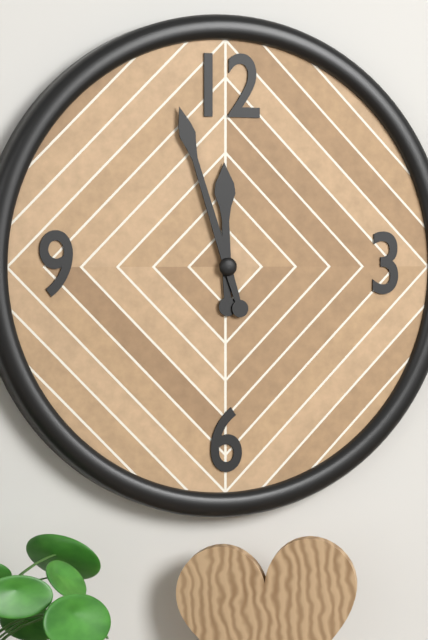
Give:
11h57
